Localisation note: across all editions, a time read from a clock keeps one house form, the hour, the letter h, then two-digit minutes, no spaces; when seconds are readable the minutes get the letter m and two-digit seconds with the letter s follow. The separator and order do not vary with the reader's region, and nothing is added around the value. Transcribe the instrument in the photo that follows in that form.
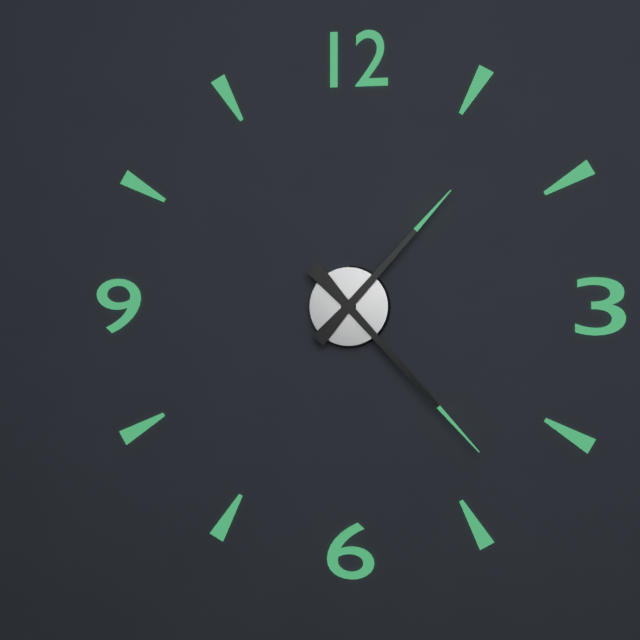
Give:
1h23
